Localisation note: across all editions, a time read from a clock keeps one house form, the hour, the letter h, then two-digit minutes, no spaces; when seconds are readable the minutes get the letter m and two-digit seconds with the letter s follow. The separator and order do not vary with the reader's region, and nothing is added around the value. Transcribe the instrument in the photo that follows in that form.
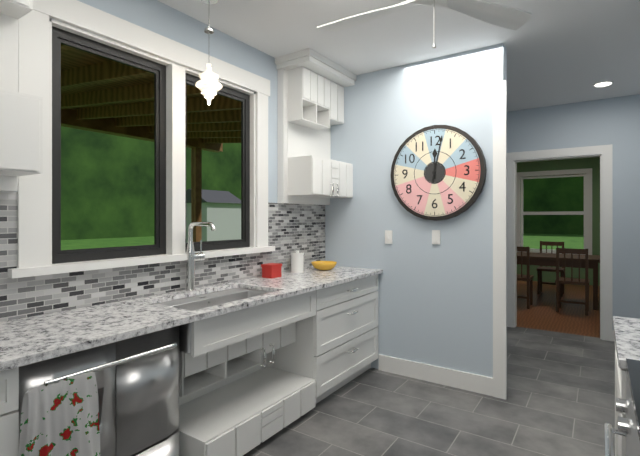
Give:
12h02
